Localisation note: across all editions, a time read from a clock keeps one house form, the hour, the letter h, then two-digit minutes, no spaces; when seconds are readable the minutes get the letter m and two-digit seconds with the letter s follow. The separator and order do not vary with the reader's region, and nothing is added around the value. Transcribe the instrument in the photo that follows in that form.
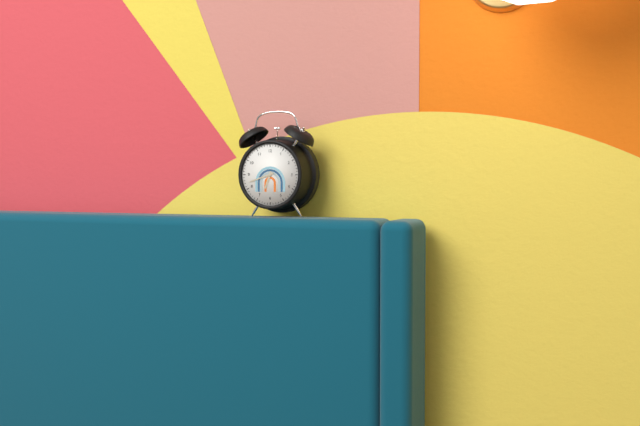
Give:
6h42
